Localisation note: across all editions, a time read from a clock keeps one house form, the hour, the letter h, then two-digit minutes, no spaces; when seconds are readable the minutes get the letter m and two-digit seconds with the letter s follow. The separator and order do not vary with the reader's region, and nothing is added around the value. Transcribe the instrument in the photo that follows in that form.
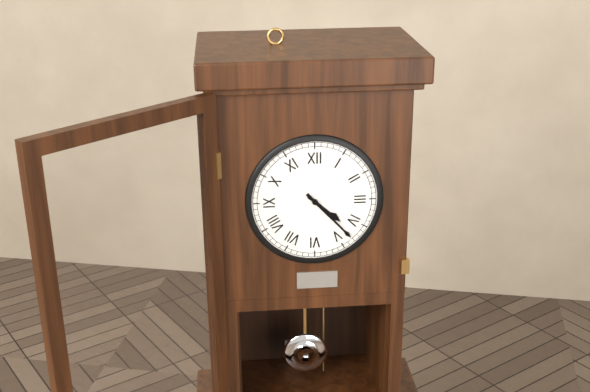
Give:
4h23
